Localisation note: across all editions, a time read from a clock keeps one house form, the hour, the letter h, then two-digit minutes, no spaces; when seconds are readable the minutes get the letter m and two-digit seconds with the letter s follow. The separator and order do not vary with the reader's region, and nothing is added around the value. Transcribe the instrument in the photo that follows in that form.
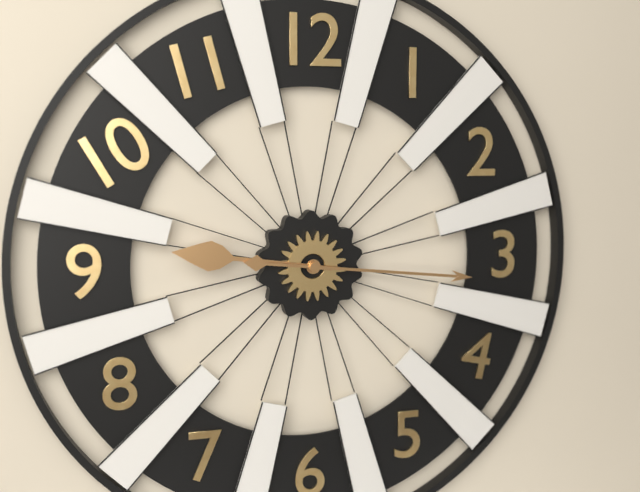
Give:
9h16
